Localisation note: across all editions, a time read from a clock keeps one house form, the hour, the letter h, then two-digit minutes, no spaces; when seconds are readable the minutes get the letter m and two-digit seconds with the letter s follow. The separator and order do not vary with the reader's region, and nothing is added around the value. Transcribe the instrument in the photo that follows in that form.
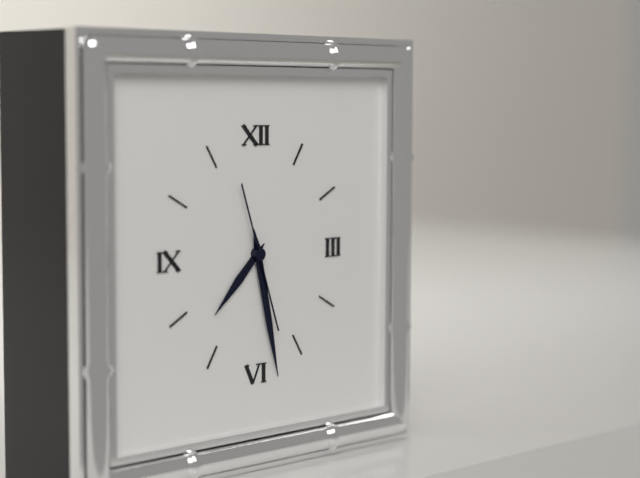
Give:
7h28m27s
